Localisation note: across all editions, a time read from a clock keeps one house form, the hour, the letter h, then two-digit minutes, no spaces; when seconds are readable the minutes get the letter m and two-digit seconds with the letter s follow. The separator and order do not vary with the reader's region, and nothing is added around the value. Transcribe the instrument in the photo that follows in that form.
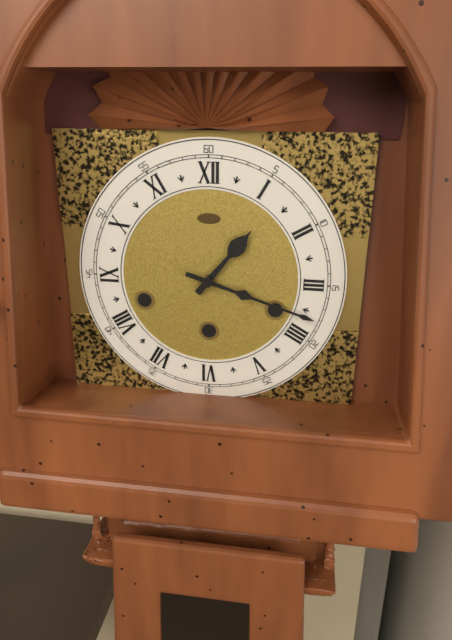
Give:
1h18
